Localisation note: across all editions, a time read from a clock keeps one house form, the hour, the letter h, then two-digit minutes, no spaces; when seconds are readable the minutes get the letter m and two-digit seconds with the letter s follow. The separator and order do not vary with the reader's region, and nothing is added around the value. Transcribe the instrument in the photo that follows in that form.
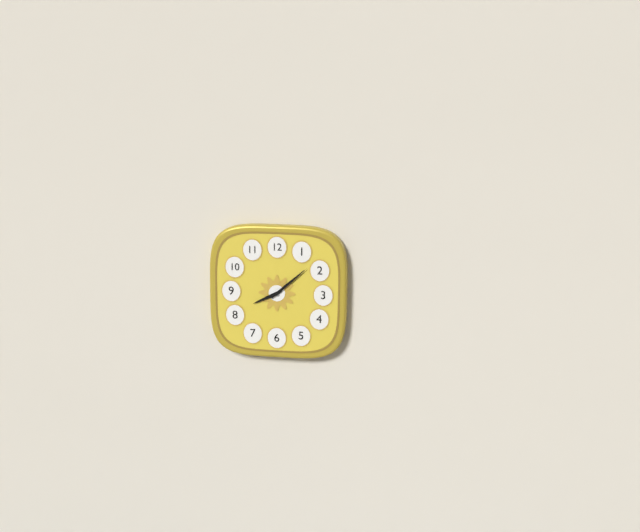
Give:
8h08
